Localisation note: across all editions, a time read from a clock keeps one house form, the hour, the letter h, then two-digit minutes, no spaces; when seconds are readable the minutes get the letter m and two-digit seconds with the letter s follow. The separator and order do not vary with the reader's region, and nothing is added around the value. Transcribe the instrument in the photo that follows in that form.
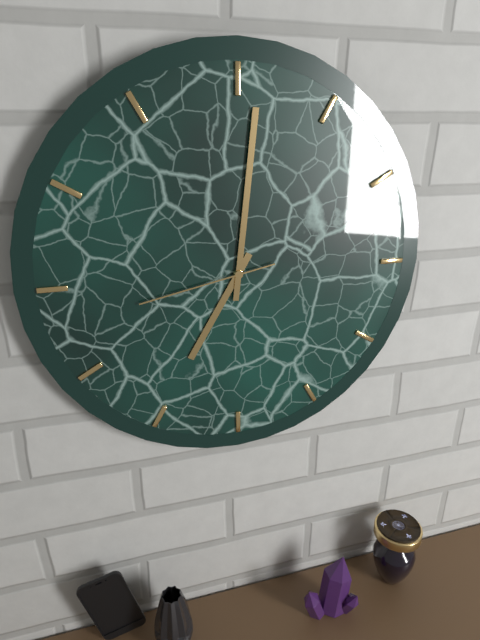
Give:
7h01m43s
